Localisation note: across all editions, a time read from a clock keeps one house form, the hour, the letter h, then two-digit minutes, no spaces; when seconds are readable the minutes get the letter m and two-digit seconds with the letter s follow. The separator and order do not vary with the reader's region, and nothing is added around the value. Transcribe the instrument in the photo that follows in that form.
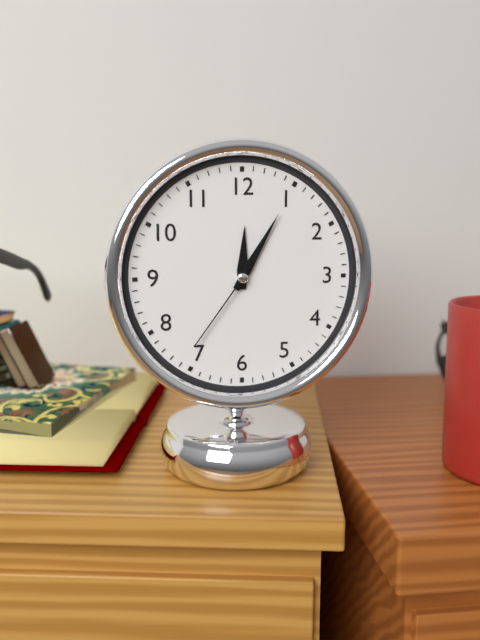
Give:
12h05m36s
